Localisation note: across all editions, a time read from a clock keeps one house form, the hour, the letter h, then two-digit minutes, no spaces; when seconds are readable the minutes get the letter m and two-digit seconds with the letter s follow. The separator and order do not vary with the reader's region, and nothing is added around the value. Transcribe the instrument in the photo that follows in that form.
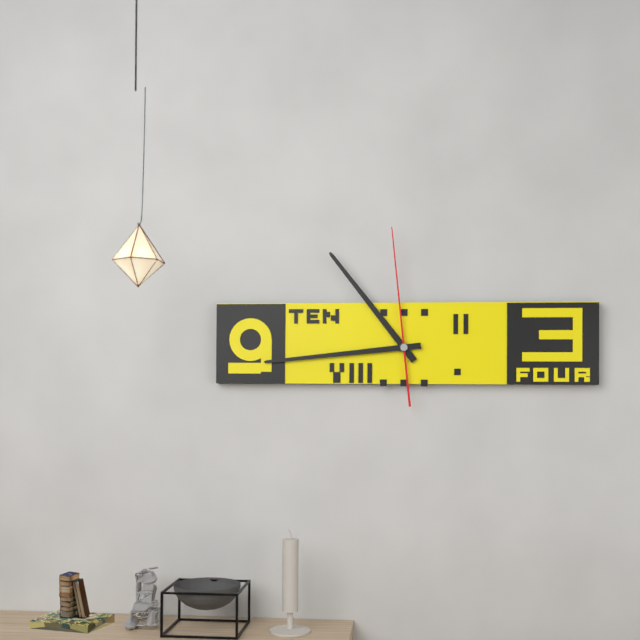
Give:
10h44m59s
